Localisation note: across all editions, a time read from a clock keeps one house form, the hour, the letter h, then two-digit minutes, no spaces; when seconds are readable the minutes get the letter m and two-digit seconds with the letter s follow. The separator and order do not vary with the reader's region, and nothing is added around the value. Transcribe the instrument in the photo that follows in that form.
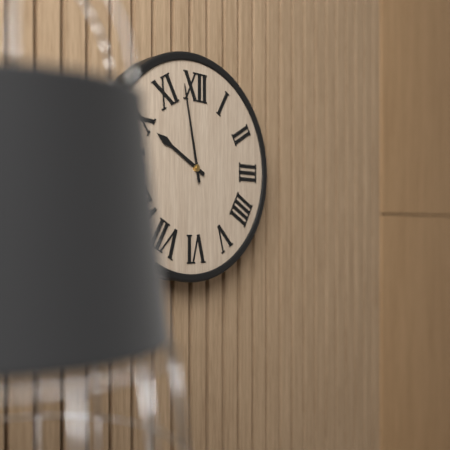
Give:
9h58
